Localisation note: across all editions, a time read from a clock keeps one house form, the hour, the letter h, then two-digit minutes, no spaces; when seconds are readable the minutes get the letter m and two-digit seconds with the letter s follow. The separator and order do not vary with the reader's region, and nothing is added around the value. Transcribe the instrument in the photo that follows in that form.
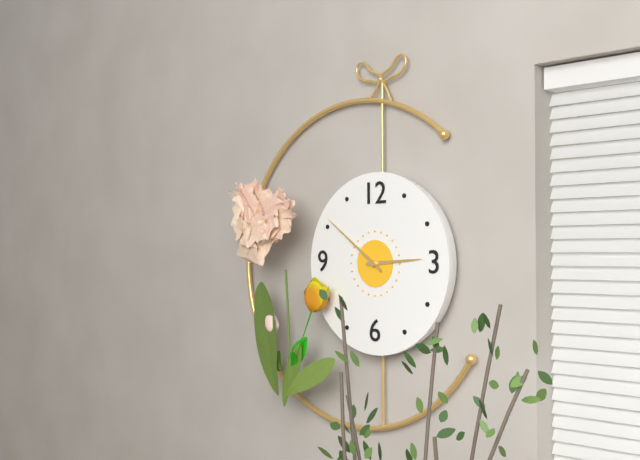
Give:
2h51
